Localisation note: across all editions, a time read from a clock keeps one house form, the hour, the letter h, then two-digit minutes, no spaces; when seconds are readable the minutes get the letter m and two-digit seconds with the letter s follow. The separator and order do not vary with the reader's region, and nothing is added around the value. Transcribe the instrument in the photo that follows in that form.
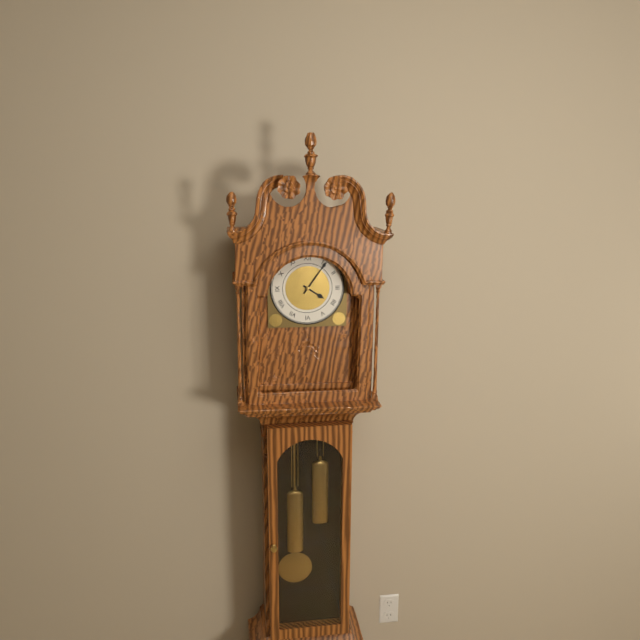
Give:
4h06
